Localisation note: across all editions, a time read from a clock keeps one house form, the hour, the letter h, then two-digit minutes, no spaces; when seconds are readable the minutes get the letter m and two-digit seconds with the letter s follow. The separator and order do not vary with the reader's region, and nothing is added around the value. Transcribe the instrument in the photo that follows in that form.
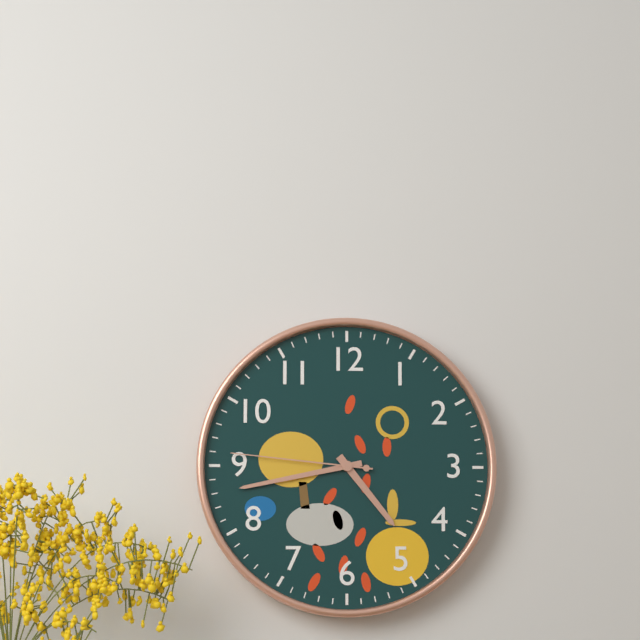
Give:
4h43m46s
